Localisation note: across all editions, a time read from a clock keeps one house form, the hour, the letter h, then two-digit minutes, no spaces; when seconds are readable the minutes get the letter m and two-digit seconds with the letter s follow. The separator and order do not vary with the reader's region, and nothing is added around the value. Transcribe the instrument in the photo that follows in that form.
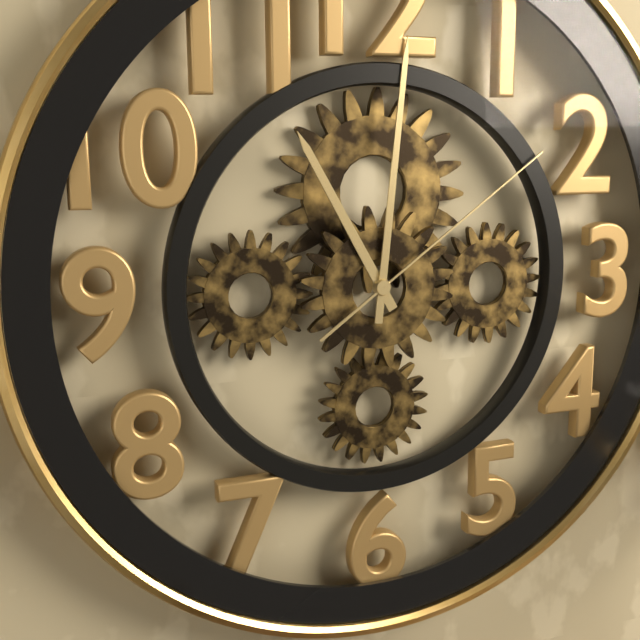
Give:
11h01m09s
